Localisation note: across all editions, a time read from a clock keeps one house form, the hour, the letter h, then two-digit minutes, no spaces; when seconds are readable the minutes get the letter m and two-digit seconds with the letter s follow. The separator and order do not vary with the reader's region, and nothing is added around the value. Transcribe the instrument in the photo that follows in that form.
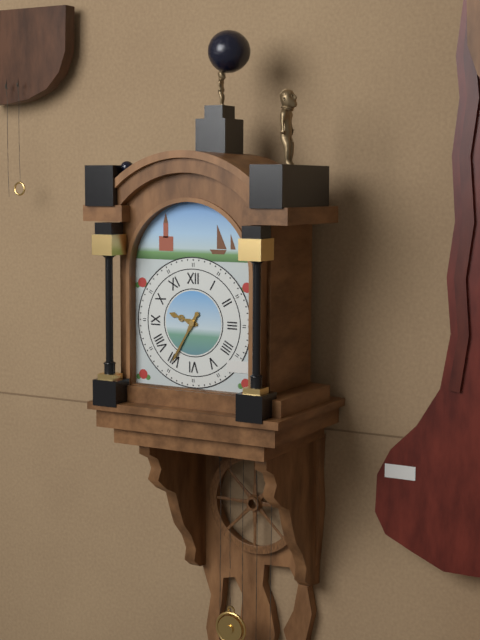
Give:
9h35
